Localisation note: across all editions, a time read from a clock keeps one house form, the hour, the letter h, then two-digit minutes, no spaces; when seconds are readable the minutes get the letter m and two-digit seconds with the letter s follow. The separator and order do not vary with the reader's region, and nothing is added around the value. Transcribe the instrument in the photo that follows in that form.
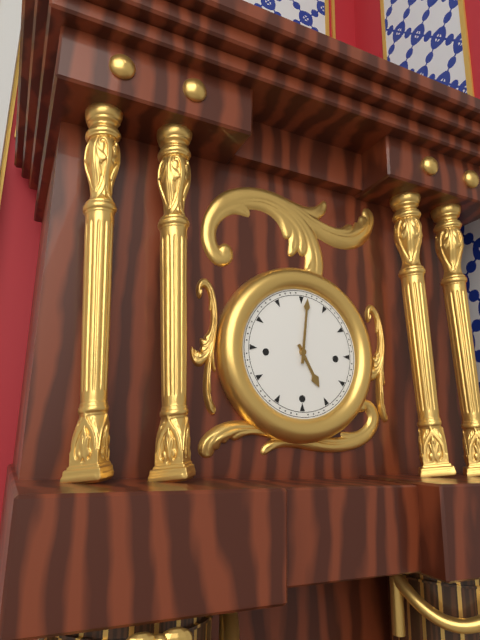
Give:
5h01
